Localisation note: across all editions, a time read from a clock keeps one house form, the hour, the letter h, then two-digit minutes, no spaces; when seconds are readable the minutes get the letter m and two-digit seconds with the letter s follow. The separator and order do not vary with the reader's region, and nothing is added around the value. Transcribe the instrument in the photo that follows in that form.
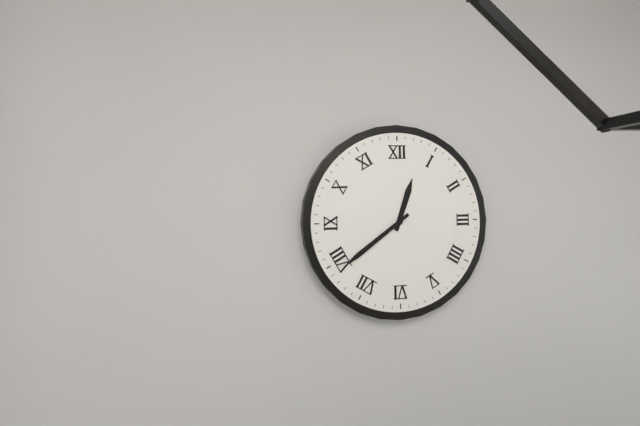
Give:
12h39
